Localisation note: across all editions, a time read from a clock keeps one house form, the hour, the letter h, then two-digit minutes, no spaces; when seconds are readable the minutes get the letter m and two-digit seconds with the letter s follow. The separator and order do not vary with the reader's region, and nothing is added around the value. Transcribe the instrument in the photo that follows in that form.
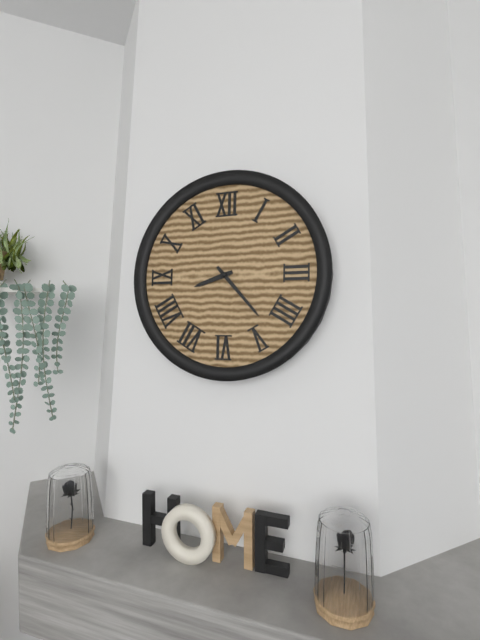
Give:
8h23
